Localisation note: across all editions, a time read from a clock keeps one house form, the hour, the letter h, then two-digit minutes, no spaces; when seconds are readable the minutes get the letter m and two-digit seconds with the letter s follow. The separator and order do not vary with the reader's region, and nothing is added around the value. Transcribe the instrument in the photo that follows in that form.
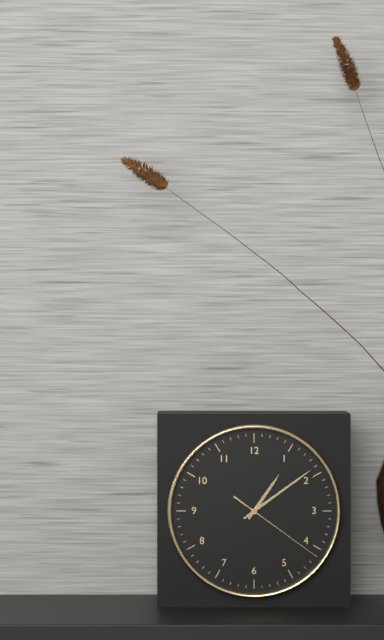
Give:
1h09m21s
